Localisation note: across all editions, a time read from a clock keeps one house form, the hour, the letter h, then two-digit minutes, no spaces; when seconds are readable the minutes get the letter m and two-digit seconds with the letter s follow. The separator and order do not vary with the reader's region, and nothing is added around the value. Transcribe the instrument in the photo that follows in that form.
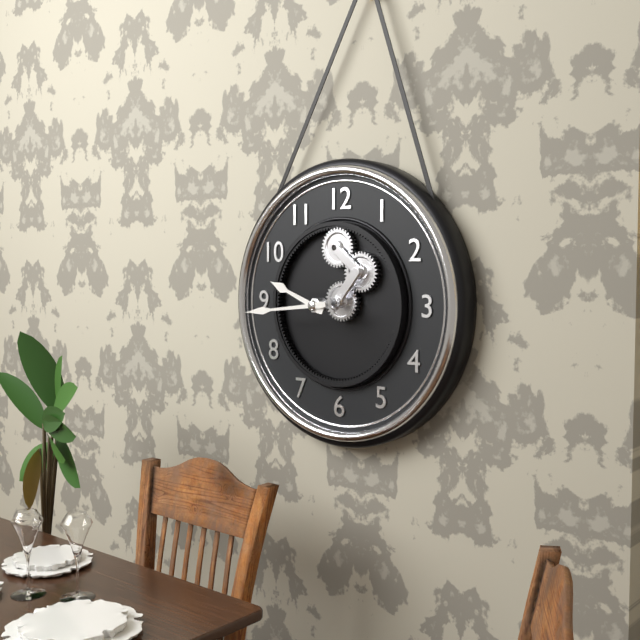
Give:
9h44
